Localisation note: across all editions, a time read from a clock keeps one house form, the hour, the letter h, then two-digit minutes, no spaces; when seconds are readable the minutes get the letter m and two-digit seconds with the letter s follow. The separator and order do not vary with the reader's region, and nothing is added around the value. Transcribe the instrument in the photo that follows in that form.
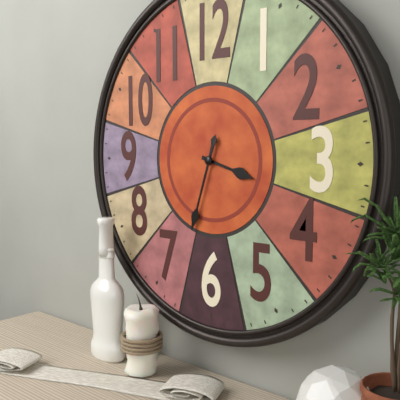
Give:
3h33
